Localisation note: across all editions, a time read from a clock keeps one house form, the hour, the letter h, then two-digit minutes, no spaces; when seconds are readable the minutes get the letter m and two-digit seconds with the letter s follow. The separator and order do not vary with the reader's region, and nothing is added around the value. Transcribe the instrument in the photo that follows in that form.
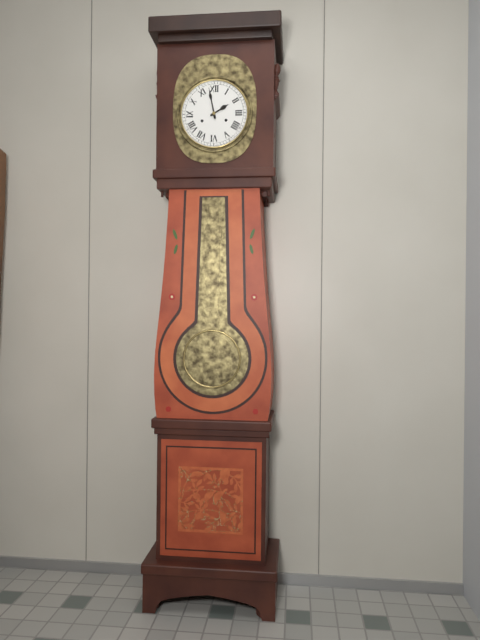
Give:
1h58
